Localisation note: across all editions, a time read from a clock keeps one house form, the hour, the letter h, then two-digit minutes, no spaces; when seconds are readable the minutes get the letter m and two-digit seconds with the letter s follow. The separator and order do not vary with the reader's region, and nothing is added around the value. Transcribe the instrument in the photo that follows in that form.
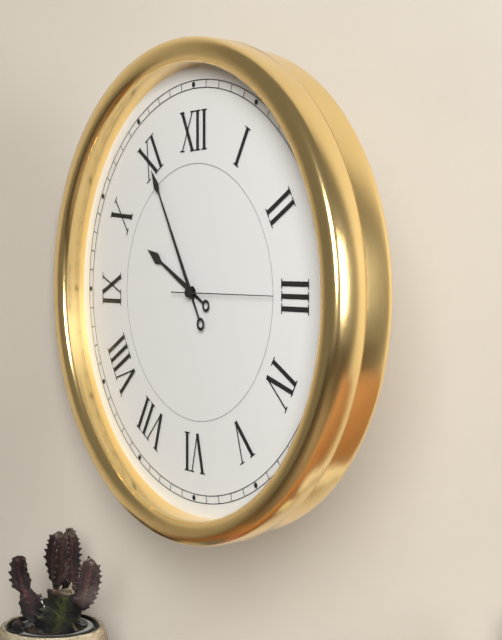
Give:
9h55m15s
